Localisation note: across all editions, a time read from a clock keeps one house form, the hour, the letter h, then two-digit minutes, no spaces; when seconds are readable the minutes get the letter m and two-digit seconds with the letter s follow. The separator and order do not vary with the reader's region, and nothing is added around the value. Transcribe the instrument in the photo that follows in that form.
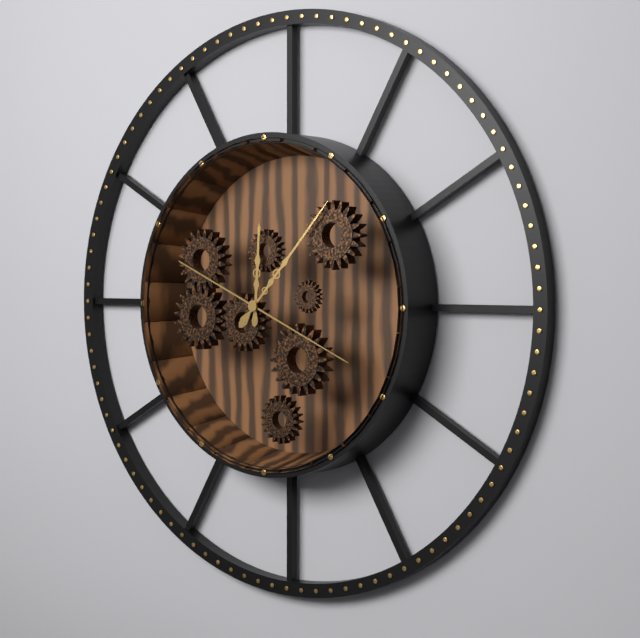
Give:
12h07m19s
